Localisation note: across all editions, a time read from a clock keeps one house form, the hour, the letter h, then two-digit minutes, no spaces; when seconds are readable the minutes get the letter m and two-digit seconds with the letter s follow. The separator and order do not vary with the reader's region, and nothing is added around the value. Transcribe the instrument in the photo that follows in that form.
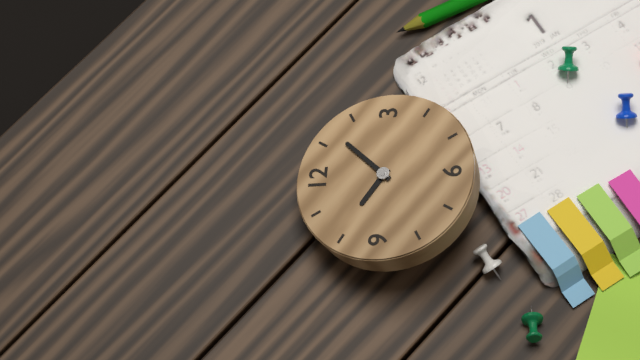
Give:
10h07
